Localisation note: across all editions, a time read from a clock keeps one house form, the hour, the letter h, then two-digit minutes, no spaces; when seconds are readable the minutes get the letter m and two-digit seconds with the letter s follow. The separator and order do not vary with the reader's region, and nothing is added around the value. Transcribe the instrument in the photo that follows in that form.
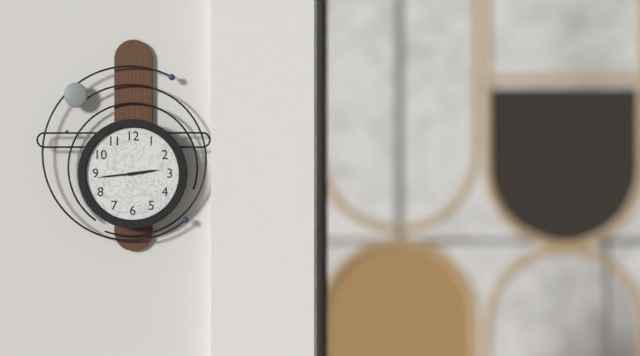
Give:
2h44
